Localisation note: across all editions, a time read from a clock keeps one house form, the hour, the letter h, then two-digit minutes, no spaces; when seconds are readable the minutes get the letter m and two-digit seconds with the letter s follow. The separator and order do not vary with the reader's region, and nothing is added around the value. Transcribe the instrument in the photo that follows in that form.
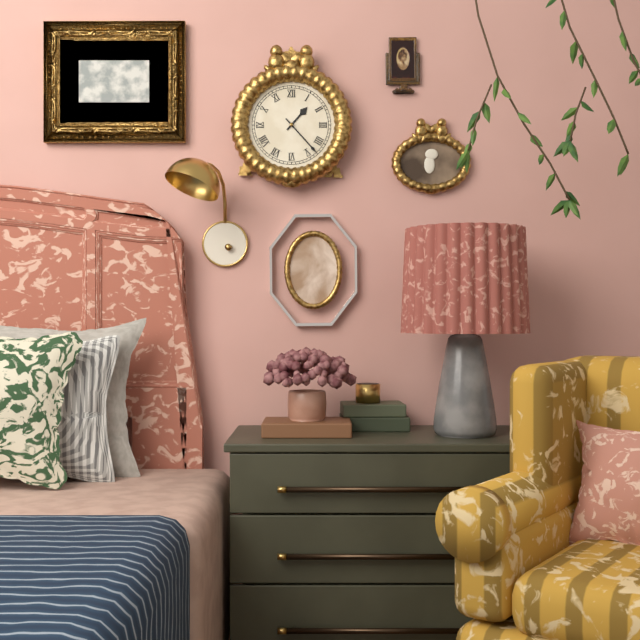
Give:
1h23
